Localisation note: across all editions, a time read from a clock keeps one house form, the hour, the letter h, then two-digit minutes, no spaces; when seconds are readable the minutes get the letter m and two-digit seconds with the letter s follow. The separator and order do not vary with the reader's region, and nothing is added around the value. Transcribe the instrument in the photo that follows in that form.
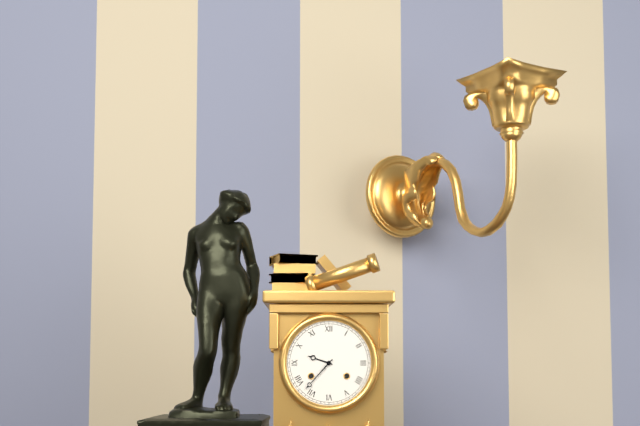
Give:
9h37
